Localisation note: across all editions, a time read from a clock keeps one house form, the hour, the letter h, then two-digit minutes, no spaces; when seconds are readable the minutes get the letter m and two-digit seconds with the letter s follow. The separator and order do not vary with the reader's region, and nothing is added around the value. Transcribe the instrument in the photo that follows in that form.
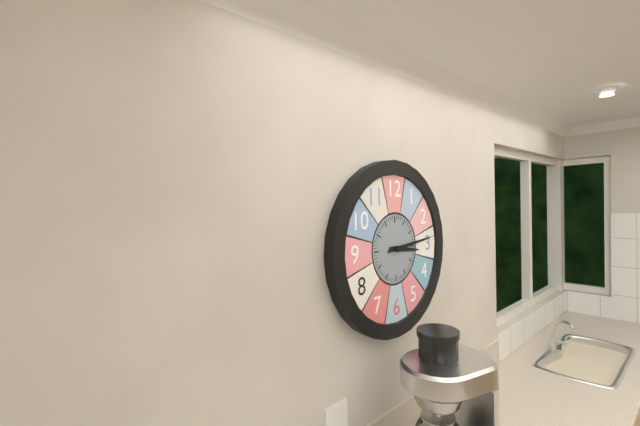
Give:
3h14
